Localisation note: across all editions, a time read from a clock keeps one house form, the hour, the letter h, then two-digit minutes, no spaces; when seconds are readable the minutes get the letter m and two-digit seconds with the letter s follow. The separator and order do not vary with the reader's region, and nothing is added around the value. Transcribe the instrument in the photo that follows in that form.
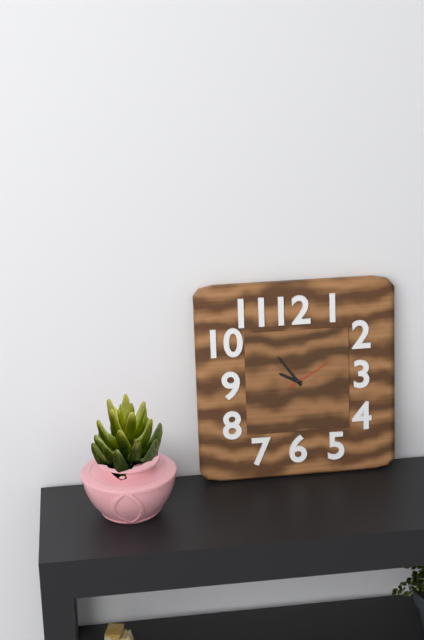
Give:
9h54
